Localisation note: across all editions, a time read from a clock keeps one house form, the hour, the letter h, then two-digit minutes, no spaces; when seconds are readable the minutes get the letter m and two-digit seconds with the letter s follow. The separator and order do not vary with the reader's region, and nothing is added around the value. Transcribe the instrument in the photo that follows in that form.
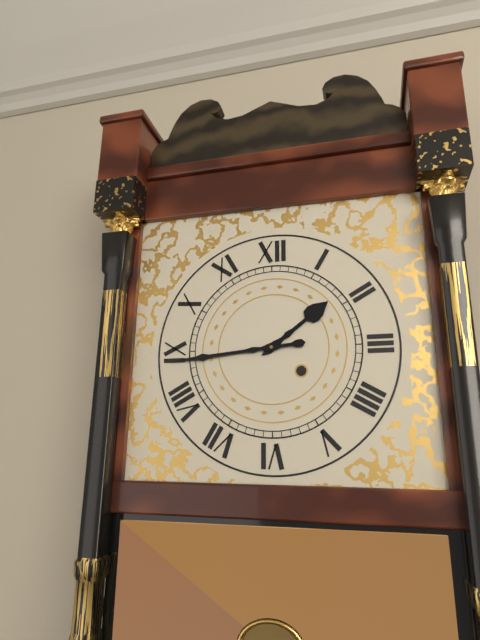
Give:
1h44
